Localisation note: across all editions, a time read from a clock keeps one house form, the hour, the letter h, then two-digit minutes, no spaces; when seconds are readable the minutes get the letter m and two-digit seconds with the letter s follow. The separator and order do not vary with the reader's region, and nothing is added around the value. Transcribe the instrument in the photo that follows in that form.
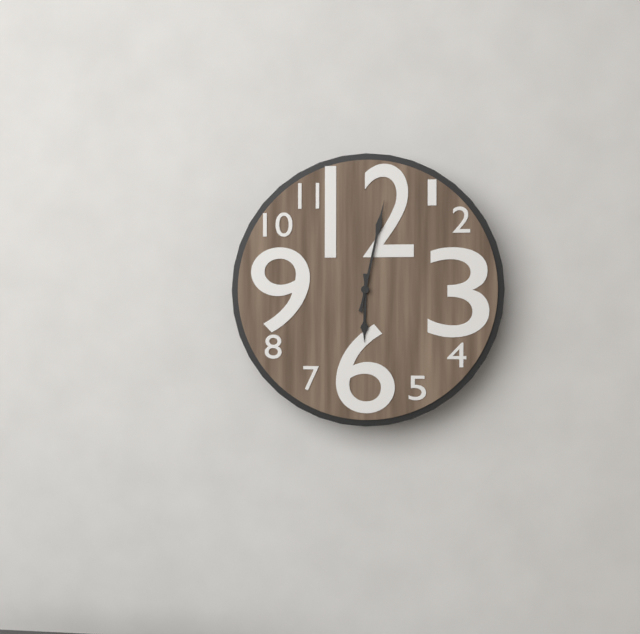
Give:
6h02
